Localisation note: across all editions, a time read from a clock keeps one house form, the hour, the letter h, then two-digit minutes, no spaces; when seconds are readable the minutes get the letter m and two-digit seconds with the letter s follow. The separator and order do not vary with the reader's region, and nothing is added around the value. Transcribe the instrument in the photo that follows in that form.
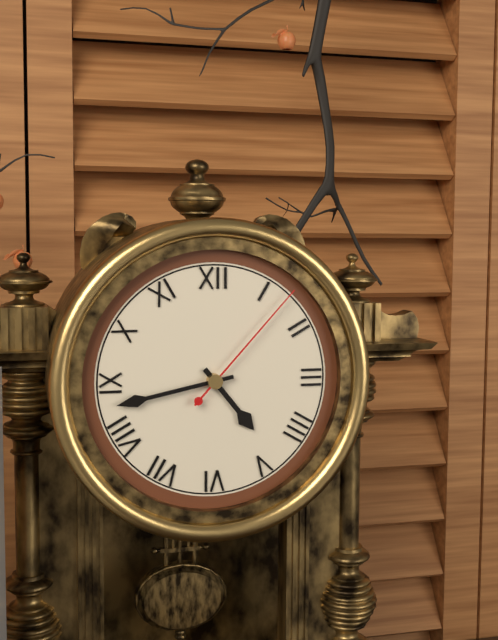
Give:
4h43m07s
